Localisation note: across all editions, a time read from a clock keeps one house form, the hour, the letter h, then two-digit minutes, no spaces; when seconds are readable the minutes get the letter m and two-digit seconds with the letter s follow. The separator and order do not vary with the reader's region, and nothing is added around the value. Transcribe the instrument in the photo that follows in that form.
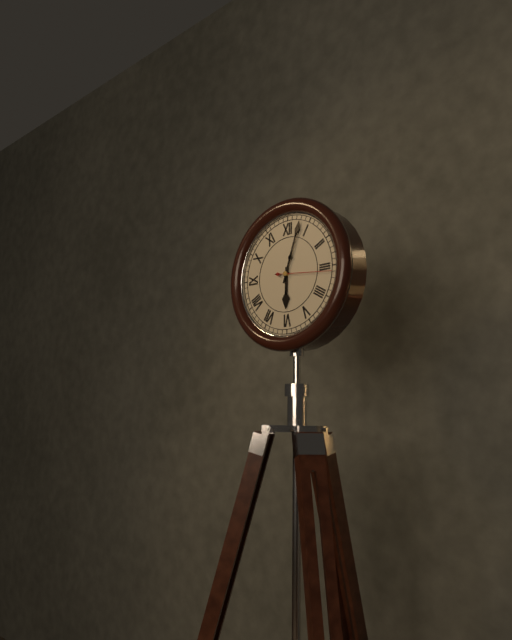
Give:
6h03
